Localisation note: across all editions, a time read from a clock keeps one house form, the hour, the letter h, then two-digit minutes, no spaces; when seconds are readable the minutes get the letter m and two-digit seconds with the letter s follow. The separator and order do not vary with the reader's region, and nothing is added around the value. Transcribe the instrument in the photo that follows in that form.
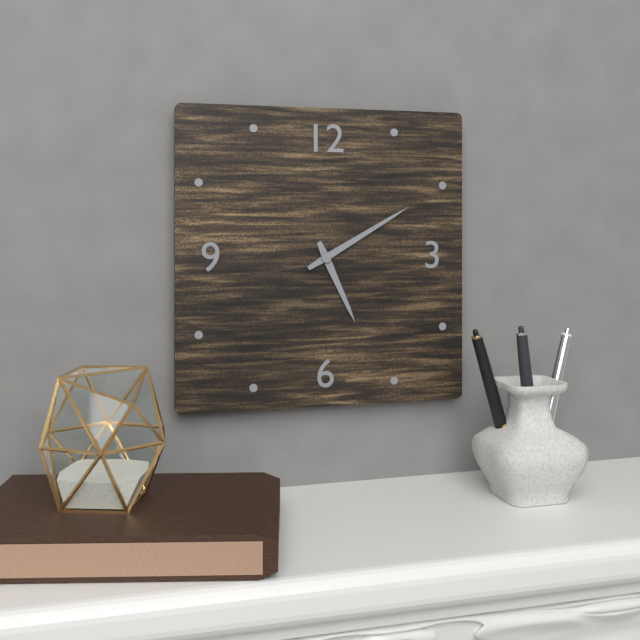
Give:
5h10
